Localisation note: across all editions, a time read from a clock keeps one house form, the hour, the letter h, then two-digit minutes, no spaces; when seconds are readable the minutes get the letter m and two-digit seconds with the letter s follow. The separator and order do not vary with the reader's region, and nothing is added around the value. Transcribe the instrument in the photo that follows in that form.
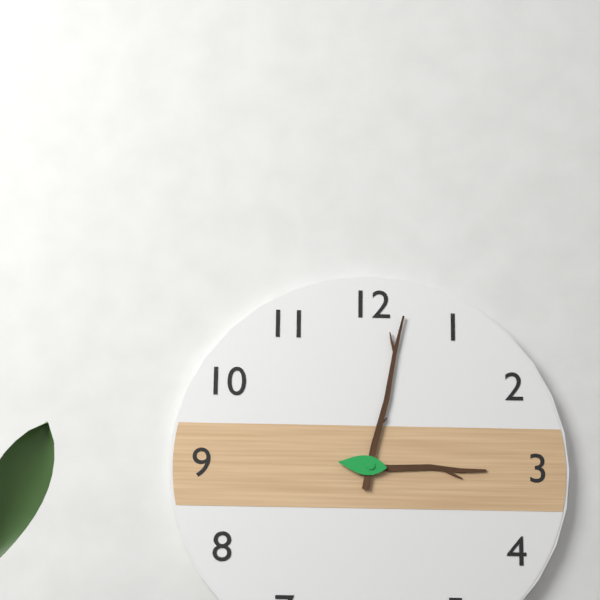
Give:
3h02
